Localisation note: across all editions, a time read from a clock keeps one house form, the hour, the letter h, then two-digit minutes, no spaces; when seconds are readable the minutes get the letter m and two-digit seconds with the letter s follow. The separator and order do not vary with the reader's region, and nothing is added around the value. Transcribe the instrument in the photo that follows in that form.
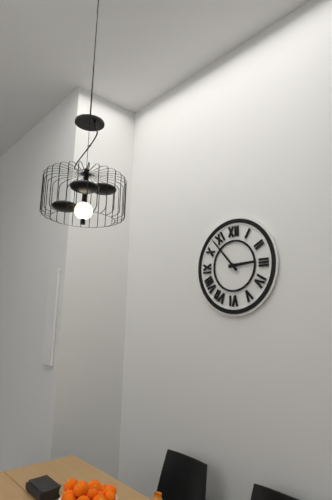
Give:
2h53
